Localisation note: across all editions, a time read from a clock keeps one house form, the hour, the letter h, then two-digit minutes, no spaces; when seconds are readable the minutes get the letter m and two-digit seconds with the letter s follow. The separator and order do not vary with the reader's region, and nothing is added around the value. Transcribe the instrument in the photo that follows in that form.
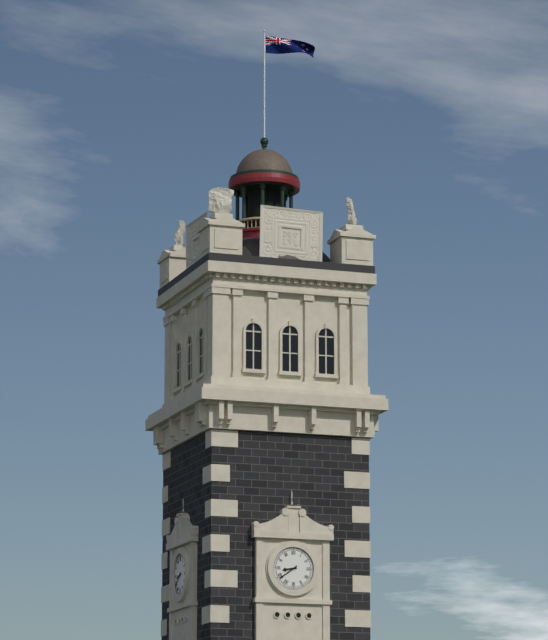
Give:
8h39
